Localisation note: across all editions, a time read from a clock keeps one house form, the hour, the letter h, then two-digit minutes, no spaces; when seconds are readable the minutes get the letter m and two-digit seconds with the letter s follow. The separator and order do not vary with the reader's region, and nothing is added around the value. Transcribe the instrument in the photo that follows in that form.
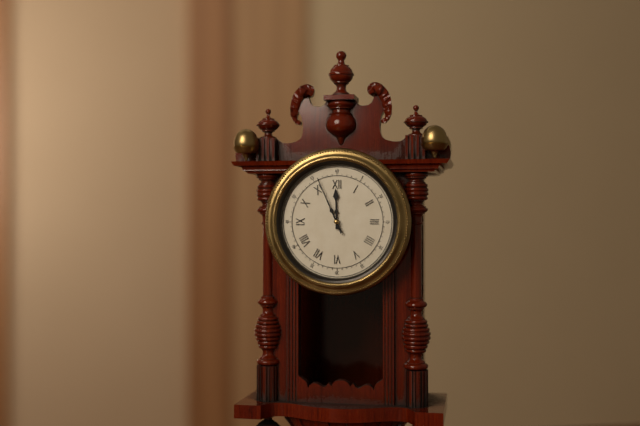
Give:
11h56
